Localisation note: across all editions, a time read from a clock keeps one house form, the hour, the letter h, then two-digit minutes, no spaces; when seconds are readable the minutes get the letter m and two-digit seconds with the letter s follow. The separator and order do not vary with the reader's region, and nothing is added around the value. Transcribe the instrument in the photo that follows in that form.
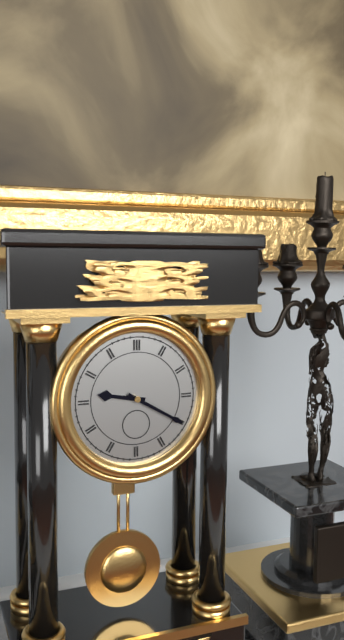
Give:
9h20
